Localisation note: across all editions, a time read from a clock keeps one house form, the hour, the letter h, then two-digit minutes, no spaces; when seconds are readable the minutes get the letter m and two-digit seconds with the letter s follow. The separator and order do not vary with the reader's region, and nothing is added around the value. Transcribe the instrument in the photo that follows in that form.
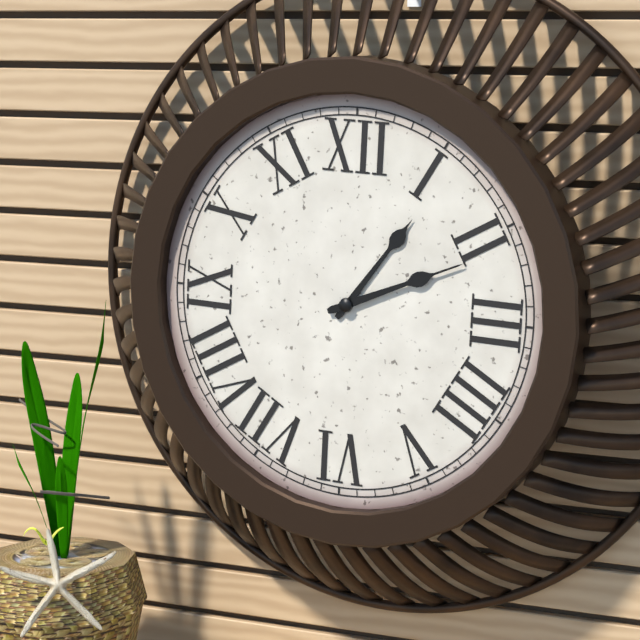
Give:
1h11
